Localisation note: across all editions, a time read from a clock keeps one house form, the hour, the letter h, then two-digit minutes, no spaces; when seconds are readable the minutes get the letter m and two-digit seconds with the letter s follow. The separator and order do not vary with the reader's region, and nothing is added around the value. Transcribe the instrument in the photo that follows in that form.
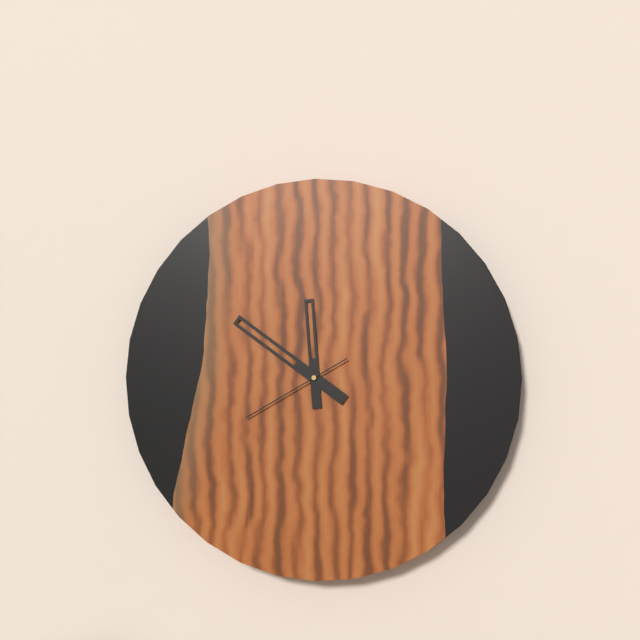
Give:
11h51m40s
